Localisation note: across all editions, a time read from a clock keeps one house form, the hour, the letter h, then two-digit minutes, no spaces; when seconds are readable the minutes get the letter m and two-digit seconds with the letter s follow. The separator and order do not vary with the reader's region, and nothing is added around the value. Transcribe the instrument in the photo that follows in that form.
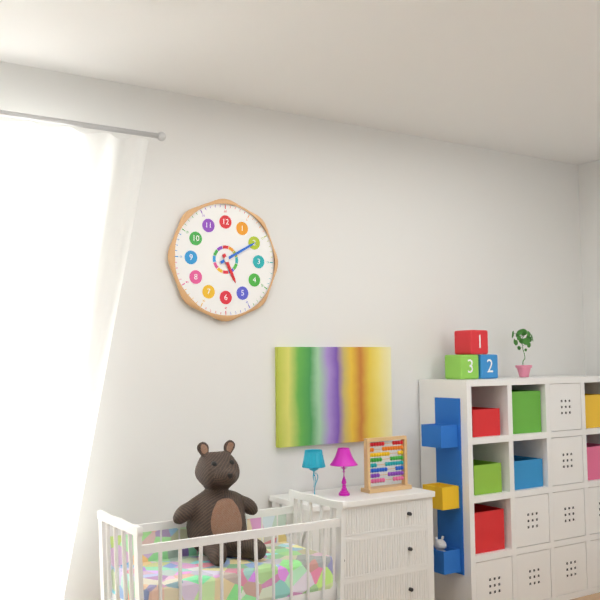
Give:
5h10
